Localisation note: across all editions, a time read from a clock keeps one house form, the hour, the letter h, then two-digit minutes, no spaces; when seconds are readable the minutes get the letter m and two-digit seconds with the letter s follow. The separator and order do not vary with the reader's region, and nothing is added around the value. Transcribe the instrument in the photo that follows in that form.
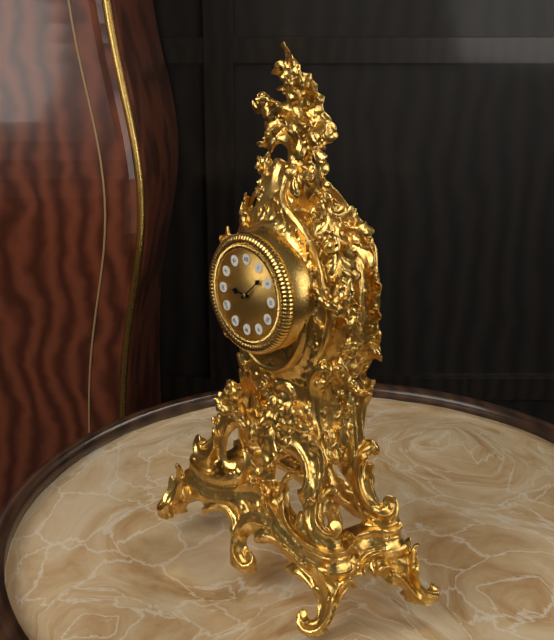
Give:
9h08
